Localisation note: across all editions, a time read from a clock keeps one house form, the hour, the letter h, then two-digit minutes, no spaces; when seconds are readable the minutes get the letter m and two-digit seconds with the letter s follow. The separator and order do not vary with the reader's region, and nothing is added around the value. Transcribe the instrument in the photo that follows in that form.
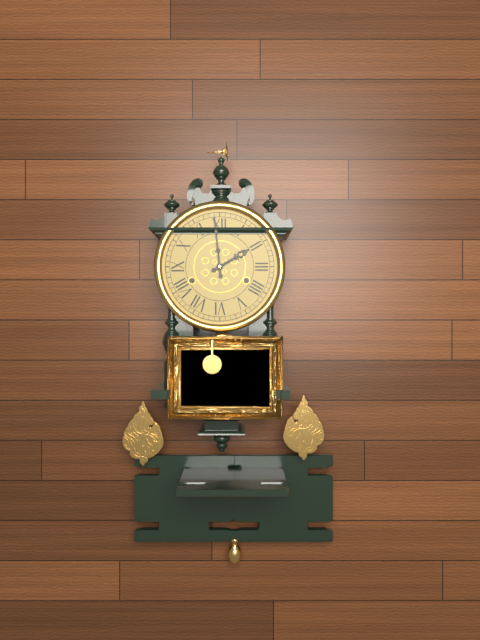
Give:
1h59
